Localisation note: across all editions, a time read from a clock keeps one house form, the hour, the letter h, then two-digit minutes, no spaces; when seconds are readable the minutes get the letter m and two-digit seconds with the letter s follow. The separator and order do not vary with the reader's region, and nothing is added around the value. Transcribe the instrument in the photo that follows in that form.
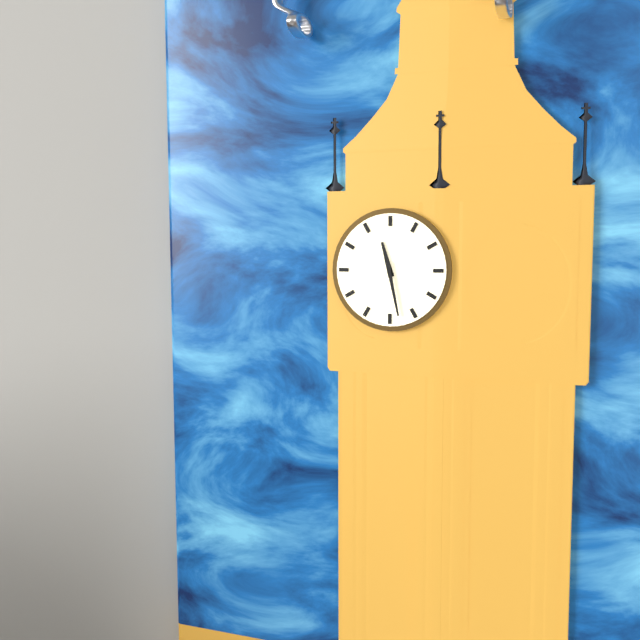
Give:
11h28
